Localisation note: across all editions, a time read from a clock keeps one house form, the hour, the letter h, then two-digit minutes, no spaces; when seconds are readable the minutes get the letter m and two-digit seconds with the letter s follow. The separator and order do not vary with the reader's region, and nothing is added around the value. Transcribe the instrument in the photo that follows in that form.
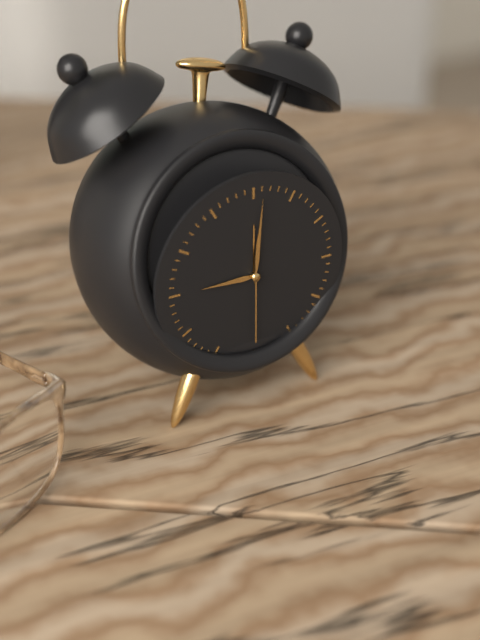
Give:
9h01m30s
